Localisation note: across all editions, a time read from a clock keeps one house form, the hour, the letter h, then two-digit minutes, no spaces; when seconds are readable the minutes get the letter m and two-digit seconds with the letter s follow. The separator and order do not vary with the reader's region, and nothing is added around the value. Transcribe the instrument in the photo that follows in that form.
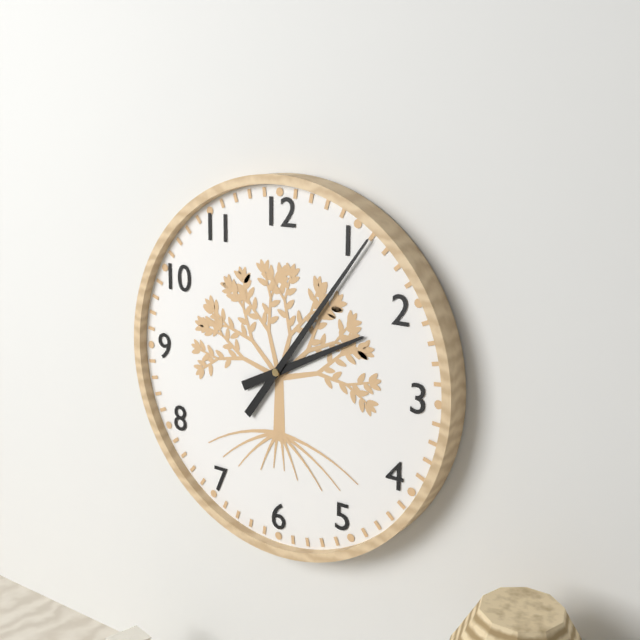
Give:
2h06
